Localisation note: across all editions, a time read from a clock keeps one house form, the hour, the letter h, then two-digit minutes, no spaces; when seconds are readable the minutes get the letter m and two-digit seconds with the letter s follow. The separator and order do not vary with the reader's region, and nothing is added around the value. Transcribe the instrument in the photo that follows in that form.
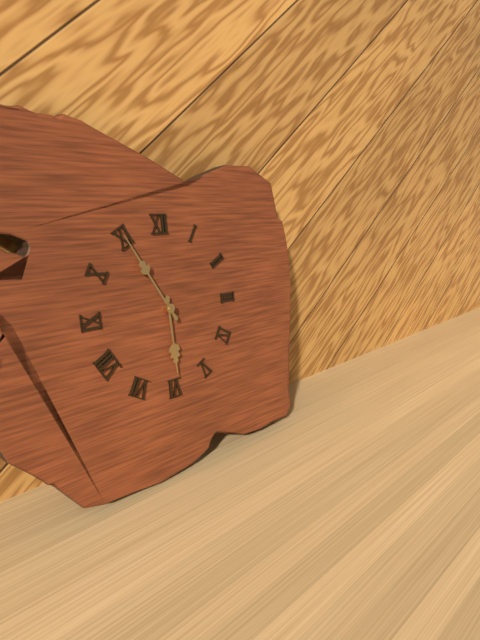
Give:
5h55
